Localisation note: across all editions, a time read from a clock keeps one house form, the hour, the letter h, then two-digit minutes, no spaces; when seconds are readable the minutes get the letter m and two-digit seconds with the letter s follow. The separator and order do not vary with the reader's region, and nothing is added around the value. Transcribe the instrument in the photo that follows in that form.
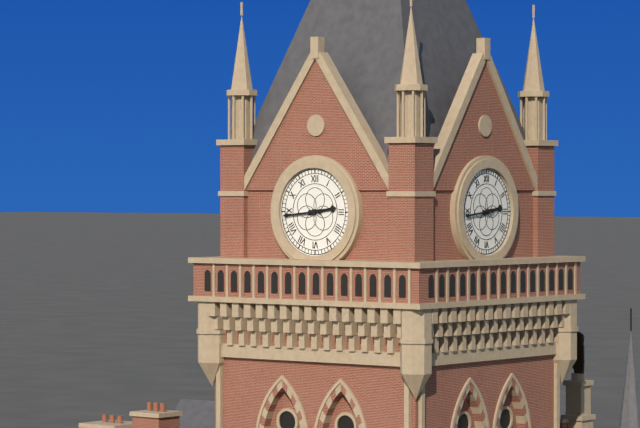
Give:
2h44
